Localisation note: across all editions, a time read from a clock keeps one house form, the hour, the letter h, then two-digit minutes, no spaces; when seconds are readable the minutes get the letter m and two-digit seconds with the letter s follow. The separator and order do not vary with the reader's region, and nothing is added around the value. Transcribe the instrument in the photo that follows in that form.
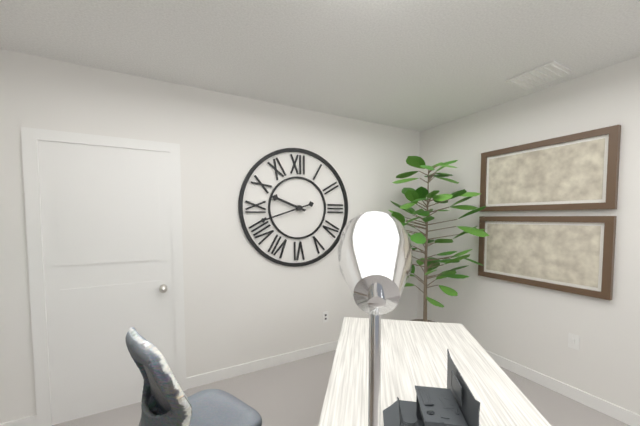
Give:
9h42
